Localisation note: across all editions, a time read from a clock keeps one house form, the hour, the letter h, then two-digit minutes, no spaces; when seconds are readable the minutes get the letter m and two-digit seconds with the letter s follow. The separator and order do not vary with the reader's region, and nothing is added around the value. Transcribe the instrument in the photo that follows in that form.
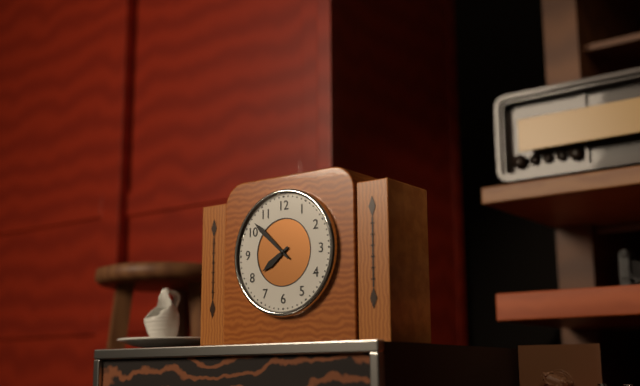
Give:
7h52
